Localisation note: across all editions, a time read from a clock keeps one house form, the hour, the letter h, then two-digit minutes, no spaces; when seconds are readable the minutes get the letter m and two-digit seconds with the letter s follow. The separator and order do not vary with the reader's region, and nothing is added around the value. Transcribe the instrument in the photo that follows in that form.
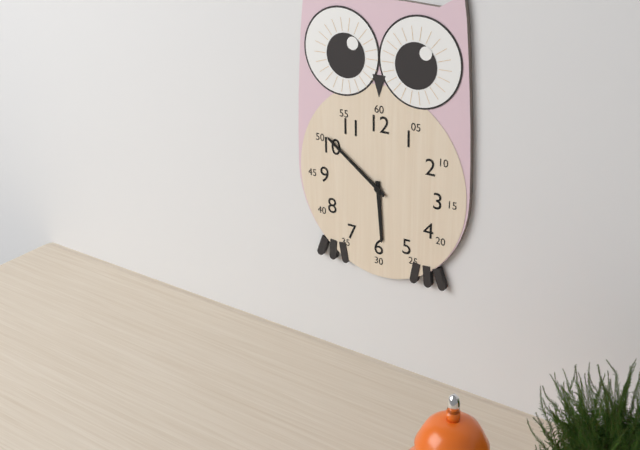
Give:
5h51
